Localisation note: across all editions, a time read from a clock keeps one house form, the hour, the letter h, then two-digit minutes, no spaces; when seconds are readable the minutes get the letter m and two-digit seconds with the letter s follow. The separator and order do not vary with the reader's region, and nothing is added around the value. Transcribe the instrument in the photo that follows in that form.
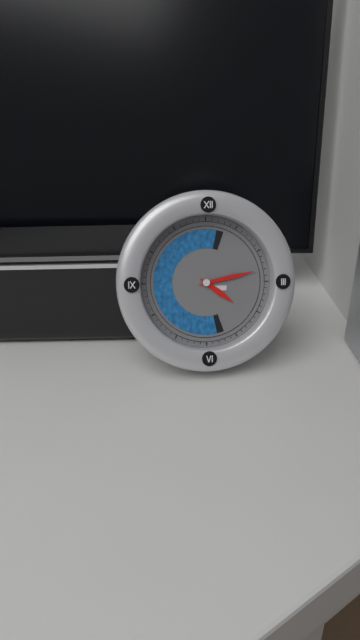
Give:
4h13
